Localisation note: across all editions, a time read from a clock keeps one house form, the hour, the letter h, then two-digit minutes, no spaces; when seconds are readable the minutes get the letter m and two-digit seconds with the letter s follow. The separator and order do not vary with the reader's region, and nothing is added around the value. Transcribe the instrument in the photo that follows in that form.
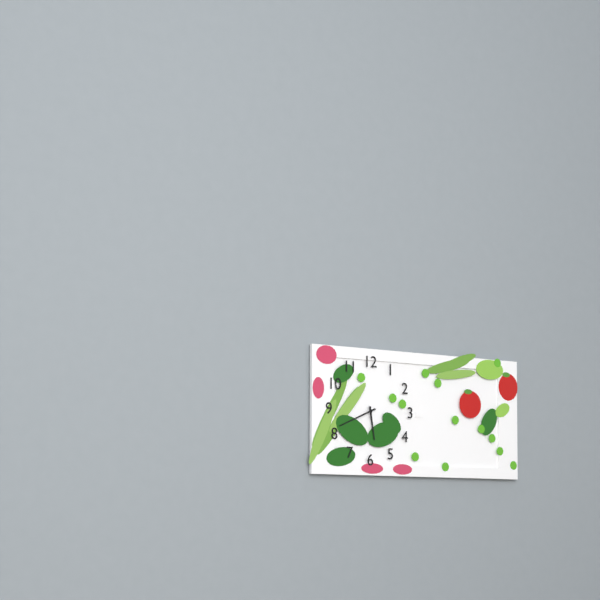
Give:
5h41
